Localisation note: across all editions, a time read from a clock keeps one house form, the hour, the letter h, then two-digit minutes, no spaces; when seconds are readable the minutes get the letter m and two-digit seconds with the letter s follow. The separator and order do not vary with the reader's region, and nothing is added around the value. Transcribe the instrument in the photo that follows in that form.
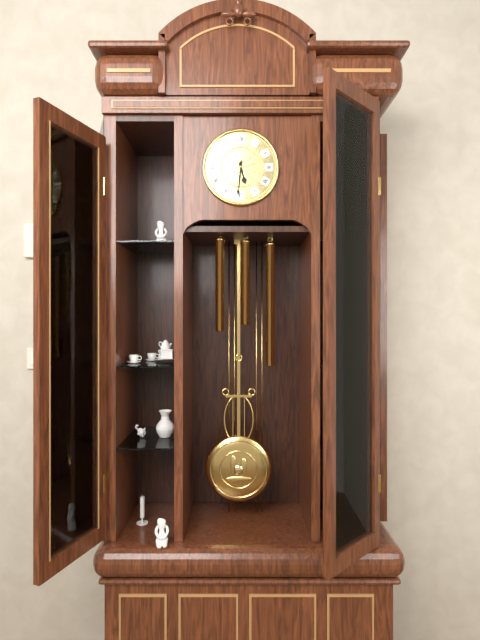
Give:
5h31
